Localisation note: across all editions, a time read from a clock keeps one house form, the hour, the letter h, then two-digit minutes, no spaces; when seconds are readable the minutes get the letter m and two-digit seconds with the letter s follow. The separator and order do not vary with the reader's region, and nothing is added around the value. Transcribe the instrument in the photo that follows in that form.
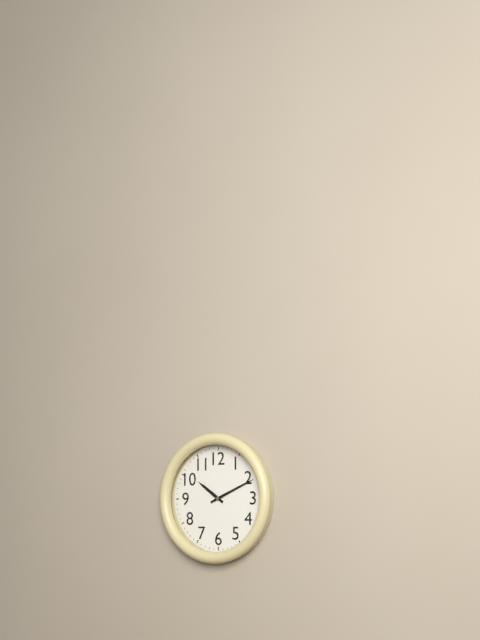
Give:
10h11
